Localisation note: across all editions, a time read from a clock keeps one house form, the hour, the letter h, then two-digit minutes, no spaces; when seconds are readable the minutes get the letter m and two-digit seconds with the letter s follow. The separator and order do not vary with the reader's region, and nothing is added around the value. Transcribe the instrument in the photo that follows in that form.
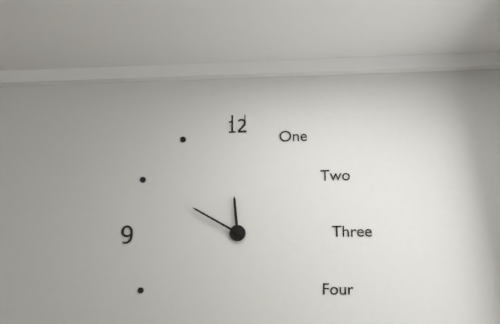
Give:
11h50
